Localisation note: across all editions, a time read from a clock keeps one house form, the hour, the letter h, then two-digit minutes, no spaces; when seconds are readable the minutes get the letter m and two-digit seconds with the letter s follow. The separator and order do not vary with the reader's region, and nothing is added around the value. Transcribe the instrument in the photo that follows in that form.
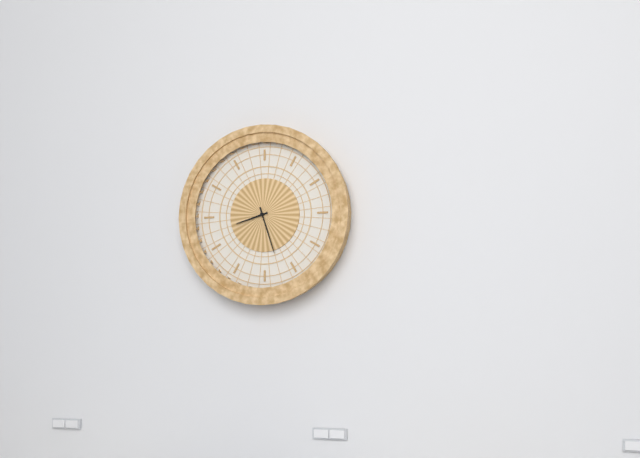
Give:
8h27
